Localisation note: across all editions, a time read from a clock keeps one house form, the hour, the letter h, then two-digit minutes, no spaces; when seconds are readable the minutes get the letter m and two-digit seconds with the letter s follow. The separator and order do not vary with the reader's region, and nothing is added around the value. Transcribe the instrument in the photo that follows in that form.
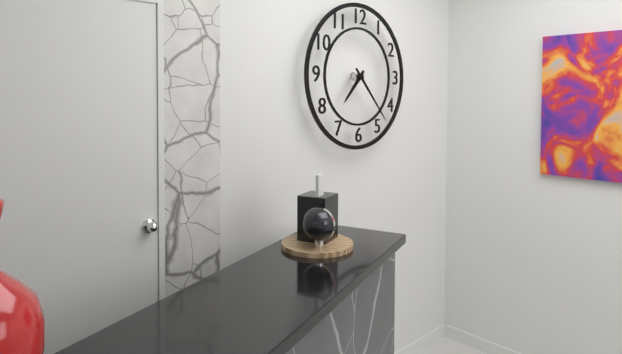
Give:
7h23
